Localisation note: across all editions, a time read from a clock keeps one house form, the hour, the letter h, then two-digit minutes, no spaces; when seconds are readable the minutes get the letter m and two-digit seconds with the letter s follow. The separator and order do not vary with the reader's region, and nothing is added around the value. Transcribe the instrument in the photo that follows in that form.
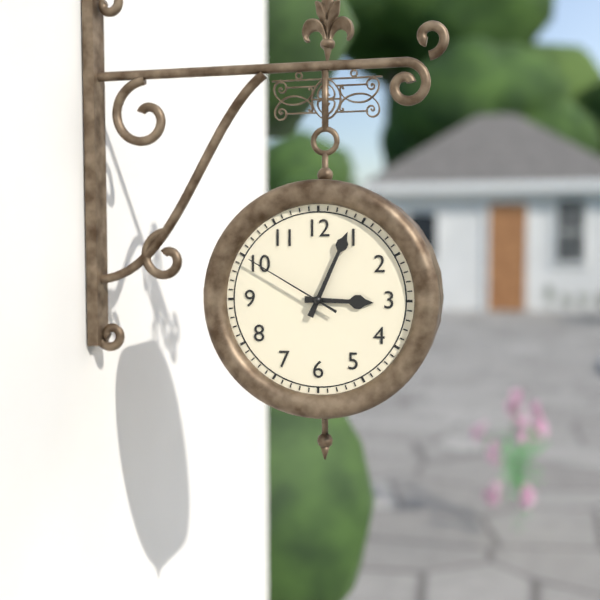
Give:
3h04m50s
